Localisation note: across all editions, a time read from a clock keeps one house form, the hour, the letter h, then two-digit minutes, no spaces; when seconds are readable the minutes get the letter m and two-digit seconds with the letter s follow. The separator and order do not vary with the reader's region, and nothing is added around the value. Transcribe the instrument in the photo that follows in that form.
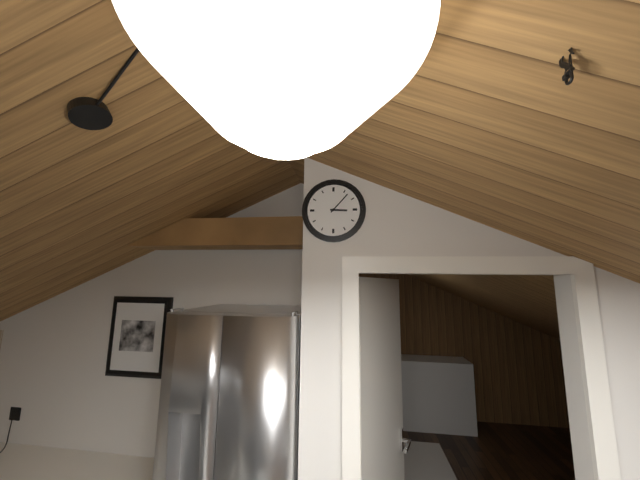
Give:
3h07
